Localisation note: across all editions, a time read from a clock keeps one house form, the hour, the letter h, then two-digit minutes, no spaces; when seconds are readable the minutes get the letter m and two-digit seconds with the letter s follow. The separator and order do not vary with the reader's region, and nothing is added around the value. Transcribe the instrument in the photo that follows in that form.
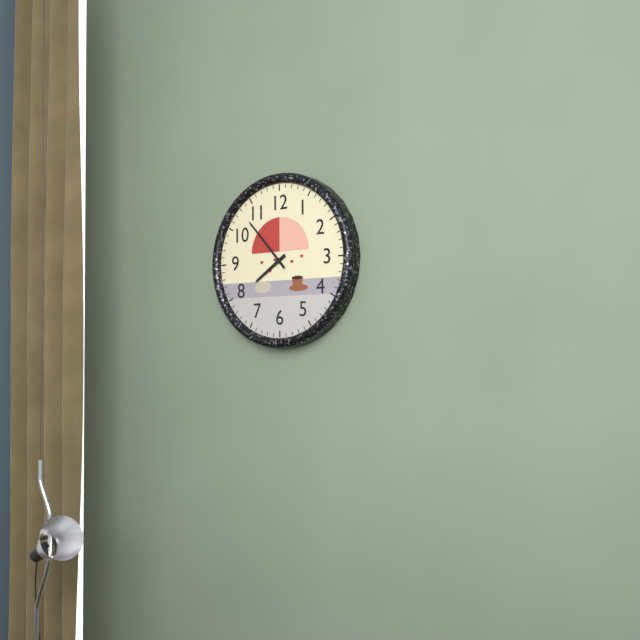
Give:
7h53
